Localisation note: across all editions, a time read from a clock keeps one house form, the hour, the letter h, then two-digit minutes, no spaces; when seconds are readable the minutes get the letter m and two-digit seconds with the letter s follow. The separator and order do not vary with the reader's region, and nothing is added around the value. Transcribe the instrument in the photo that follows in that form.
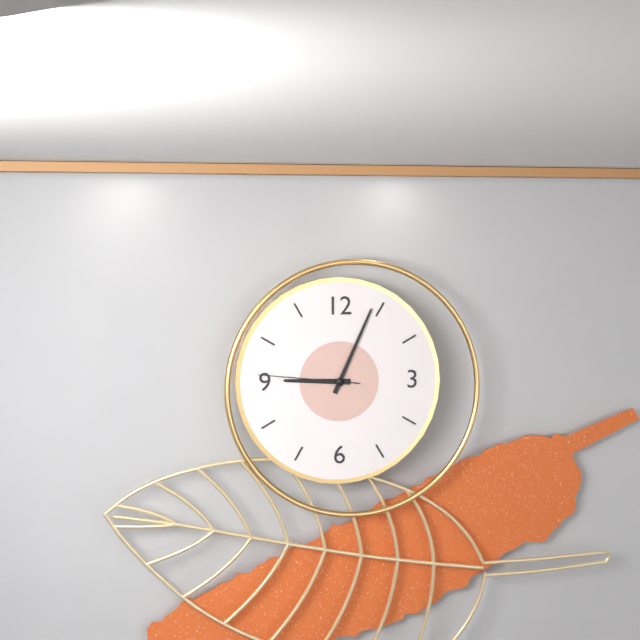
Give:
9h04m46s
